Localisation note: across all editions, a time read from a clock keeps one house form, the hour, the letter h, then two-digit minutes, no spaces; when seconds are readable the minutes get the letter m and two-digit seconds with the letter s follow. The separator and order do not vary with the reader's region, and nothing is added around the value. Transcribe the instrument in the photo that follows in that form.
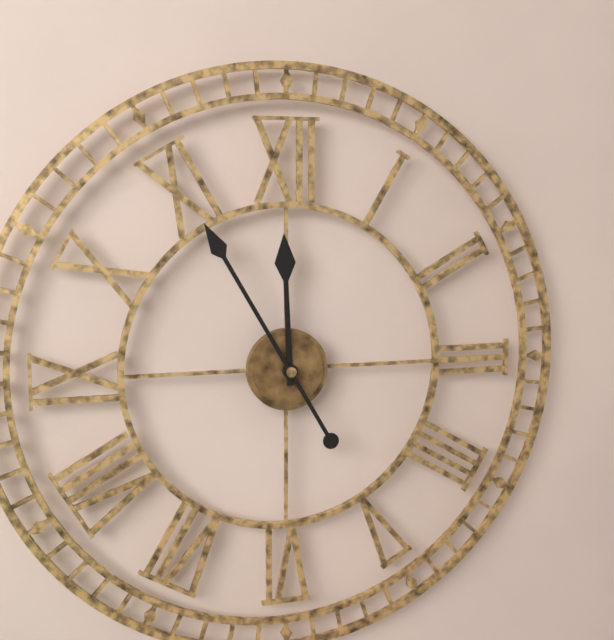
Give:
11h55
